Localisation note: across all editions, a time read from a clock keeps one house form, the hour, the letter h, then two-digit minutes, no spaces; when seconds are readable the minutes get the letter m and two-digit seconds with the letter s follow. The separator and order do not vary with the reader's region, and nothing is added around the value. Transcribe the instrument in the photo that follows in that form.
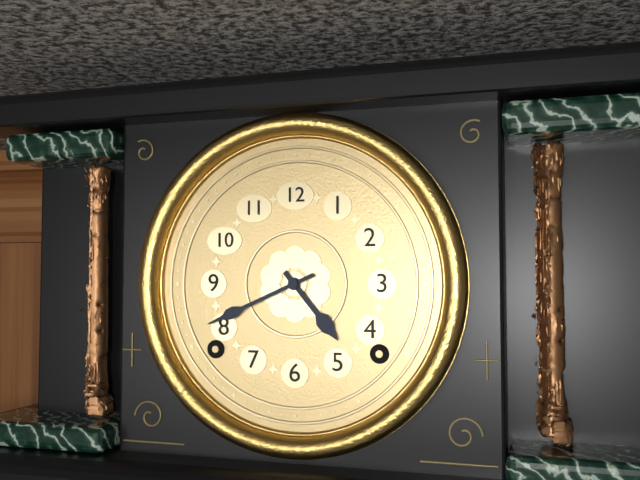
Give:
4h41
